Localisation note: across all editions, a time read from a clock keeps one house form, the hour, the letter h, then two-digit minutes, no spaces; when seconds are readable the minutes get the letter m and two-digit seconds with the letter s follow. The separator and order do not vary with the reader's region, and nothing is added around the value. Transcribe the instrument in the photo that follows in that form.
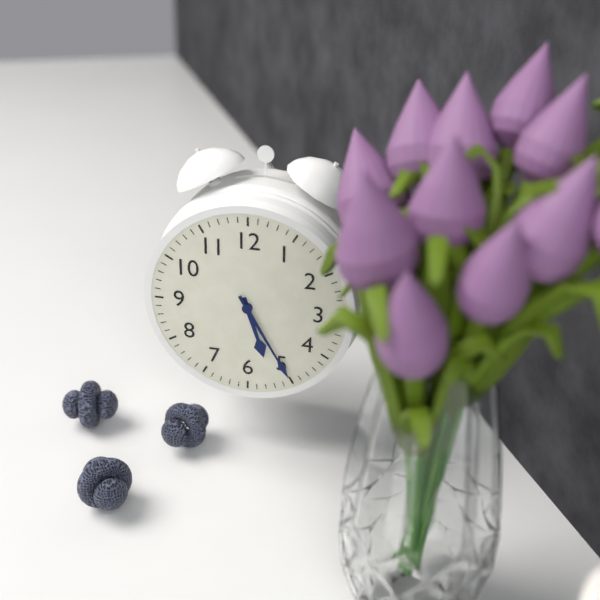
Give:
5h25
